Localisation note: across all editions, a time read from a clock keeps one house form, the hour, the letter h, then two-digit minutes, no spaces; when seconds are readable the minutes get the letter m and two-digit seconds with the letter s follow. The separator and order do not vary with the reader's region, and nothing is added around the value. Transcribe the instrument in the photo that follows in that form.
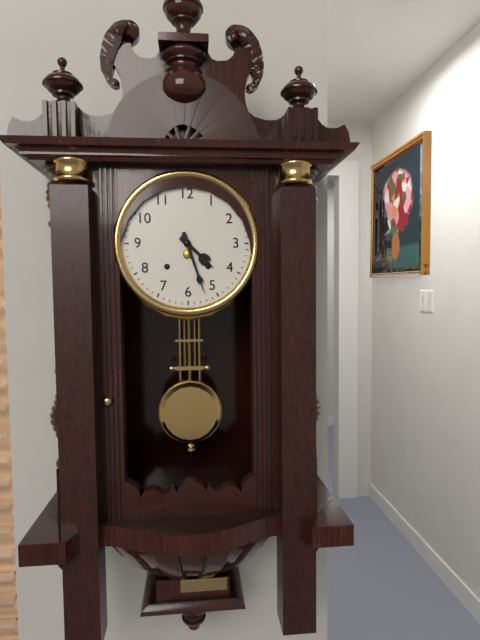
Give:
4h27
